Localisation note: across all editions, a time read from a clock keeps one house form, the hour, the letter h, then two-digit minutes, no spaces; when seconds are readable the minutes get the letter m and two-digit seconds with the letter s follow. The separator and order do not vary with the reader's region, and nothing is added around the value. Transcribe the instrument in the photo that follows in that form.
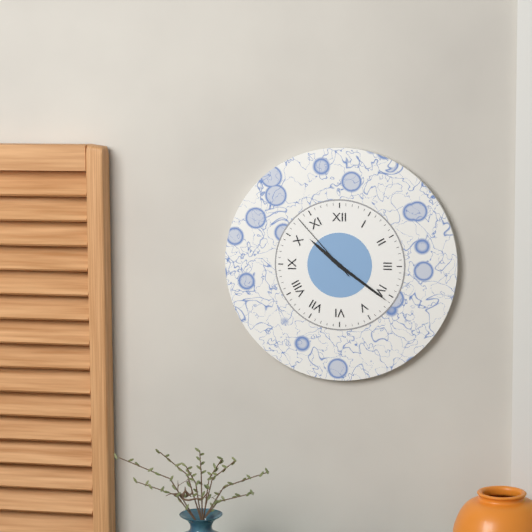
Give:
10h21m53s
